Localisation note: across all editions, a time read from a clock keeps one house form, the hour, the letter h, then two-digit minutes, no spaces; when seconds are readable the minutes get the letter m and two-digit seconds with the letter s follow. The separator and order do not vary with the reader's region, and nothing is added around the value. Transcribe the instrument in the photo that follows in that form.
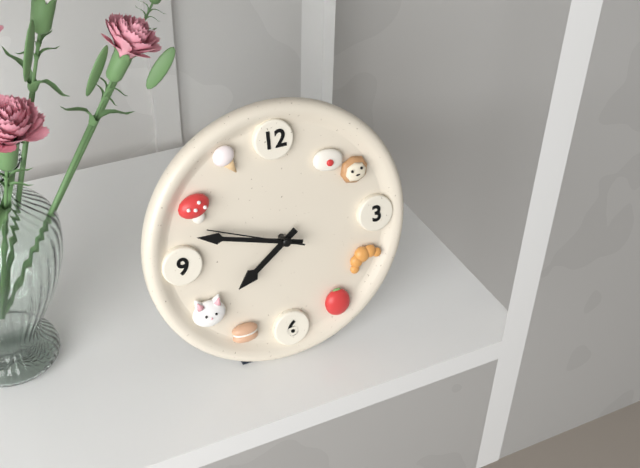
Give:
7h48m49s
